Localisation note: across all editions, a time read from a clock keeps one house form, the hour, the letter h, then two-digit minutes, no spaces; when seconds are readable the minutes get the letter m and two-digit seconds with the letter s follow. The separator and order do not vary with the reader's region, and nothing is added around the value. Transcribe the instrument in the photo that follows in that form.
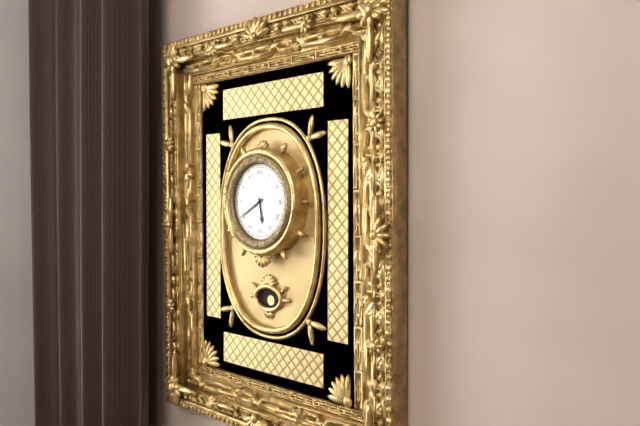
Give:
5h40
